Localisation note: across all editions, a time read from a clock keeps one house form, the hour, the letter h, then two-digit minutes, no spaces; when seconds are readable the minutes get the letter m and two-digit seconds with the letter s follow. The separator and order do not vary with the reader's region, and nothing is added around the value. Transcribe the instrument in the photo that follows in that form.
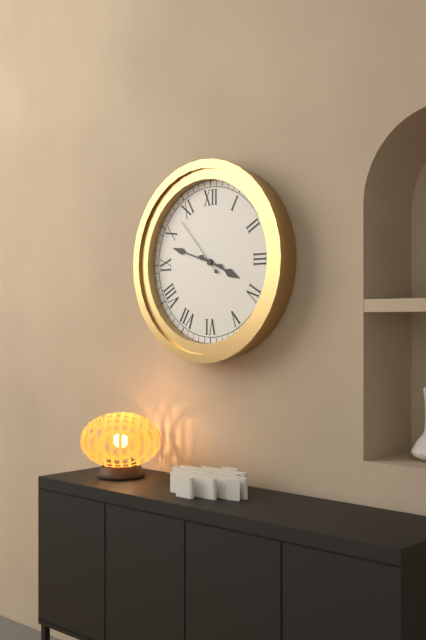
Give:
3h48m53s
